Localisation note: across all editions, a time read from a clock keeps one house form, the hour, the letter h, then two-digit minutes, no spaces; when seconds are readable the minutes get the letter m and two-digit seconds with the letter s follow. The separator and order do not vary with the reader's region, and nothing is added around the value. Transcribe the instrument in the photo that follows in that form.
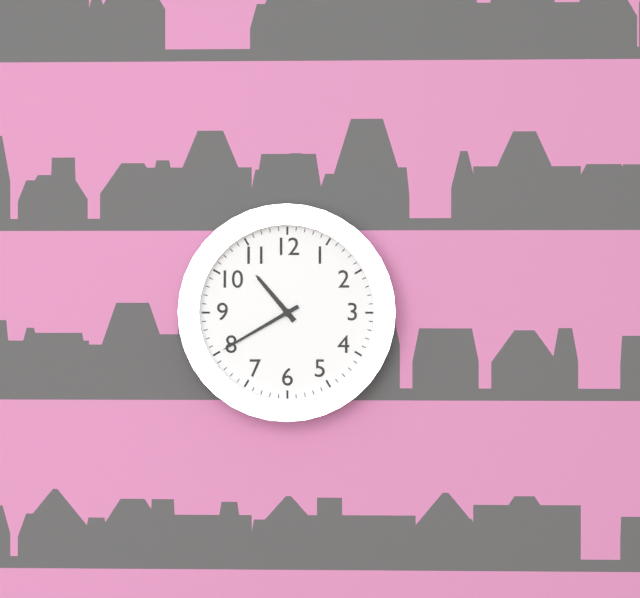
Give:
10h40
